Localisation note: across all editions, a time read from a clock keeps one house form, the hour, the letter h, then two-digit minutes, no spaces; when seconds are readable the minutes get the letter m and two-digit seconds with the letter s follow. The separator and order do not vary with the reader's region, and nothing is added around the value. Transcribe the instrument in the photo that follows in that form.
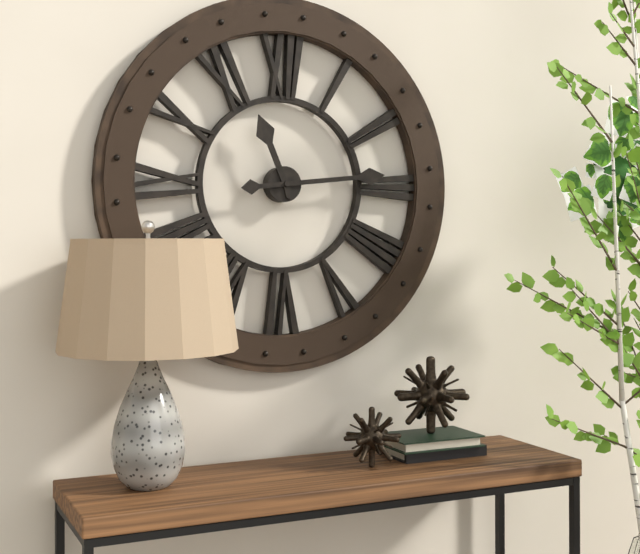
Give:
11h14
